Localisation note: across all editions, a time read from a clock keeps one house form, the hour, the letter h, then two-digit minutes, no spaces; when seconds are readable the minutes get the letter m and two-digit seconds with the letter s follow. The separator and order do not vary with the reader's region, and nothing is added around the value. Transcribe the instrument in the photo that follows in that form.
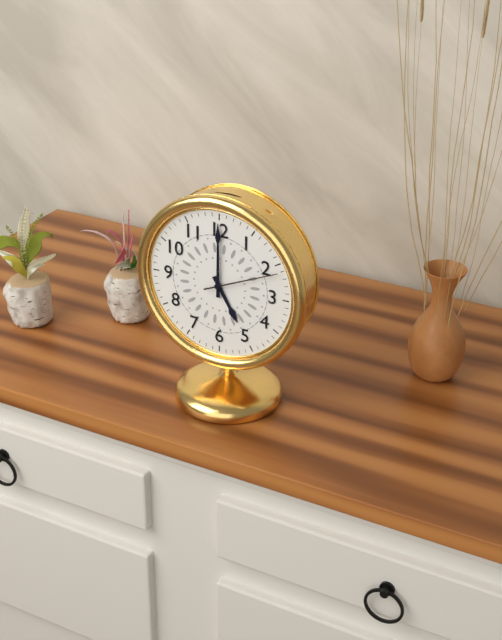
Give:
5h00m11s
